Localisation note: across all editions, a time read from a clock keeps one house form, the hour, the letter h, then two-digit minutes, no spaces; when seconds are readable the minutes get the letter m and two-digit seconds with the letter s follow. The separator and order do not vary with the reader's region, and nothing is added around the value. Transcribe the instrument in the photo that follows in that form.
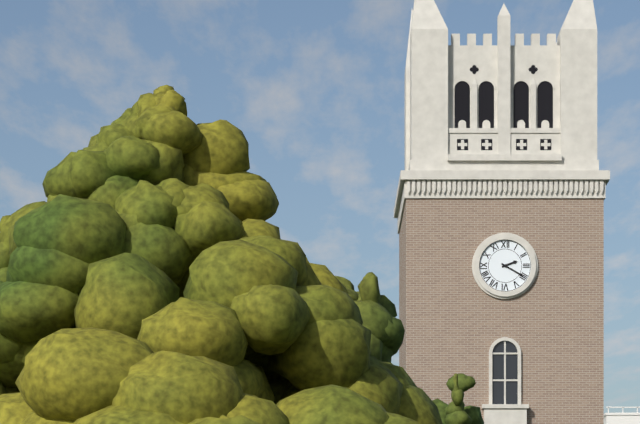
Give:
2h20
